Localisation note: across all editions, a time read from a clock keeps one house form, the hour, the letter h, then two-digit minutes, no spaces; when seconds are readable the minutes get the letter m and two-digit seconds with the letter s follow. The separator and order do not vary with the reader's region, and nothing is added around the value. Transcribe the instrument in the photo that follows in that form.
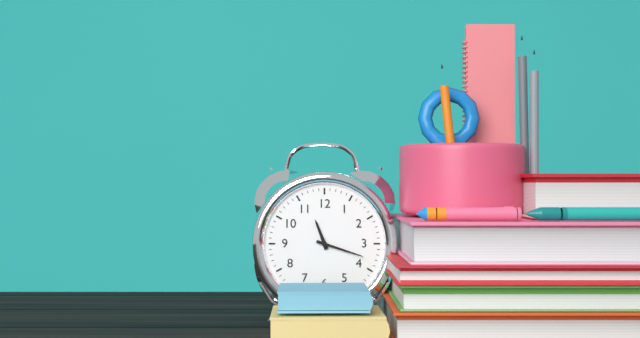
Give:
11h18
